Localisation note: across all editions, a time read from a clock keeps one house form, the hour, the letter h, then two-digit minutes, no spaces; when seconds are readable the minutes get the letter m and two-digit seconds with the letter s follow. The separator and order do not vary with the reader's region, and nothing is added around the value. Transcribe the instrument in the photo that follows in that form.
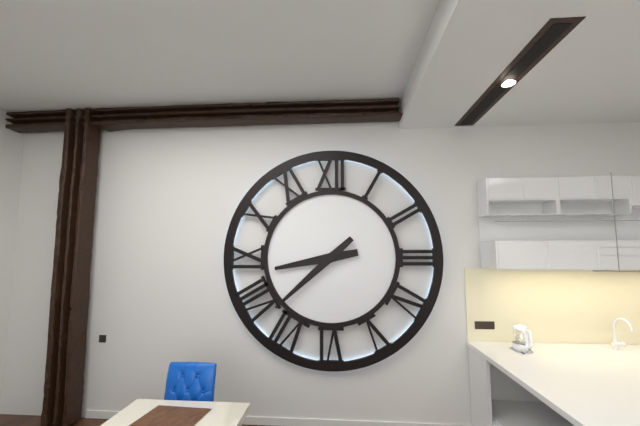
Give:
8h38
